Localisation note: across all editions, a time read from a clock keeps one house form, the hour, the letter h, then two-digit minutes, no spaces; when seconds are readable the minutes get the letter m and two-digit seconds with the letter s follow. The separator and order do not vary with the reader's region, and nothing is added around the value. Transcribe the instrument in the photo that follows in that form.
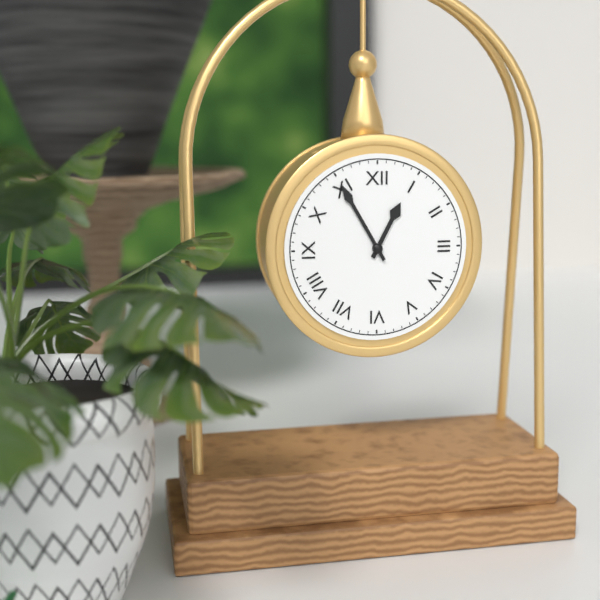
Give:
12h55
